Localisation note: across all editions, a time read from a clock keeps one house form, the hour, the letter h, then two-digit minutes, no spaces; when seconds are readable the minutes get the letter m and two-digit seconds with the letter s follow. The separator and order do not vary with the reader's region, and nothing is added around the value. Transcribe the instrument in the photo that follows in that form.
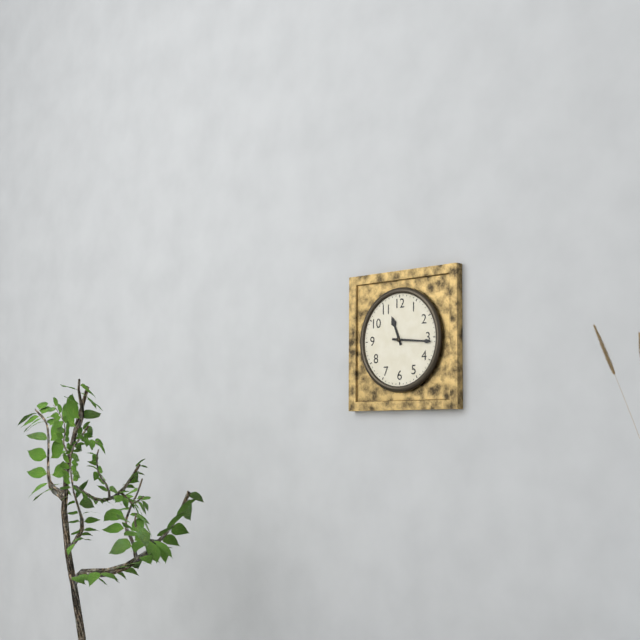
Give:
11h16
